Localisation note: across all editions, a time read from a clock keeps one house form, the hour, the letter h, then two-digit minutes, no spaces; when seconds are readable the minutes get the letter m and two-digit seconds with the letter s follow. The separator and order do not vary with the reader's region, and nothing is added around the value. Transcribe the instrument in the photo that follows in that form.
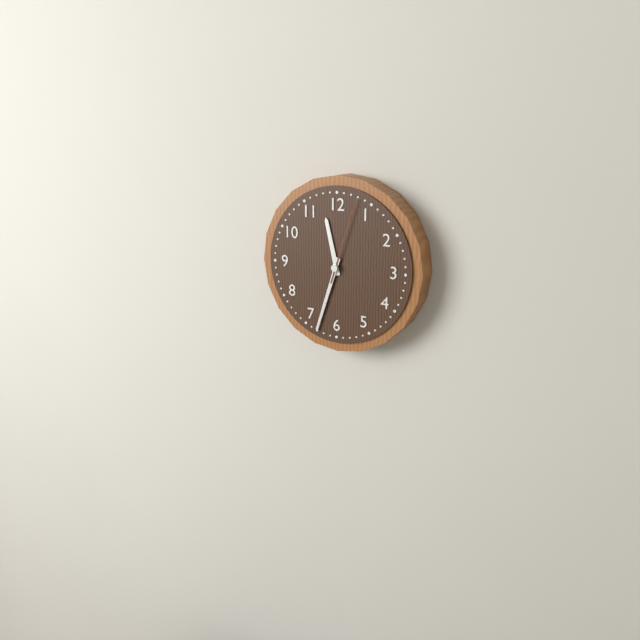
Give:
11h33m03s
